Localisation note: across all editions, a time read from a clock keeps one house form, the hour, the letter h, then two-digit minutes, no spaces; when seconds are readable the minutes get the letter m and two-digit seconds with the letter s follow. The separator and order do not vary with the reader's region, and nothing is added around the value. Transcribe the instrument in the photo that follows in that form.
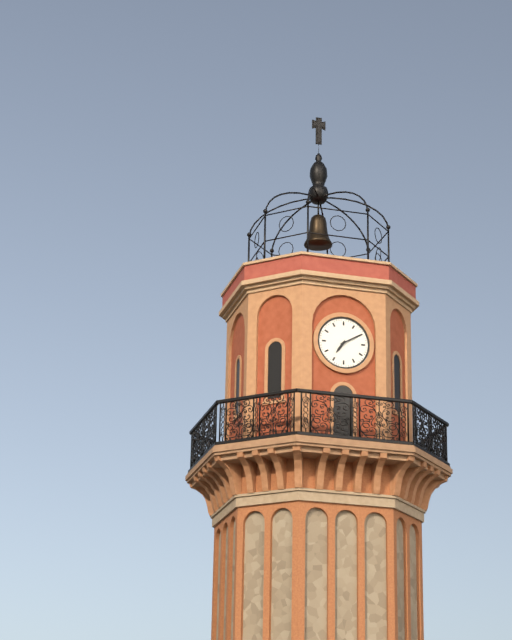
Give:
7h10
